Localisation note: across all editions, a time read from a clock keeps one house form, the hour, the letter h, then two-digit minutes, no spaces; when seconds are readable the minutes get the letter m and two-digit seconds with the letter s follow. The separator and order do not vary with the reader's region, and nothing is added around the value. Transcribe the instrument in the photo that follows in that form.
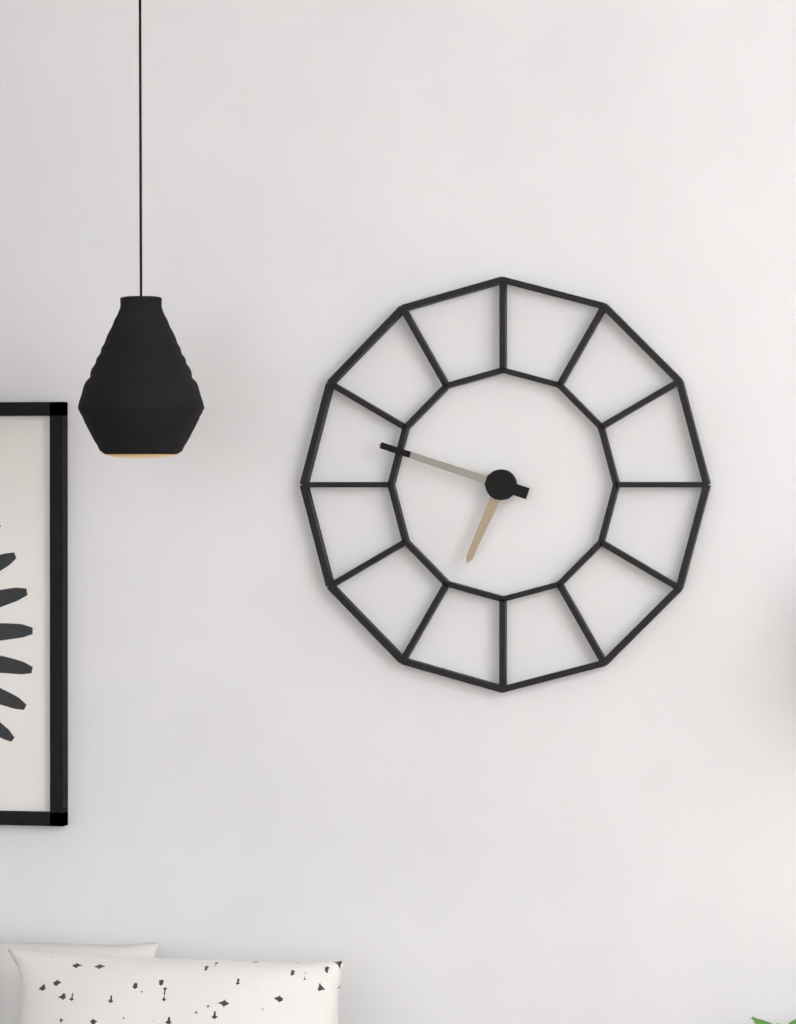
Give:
6h48
